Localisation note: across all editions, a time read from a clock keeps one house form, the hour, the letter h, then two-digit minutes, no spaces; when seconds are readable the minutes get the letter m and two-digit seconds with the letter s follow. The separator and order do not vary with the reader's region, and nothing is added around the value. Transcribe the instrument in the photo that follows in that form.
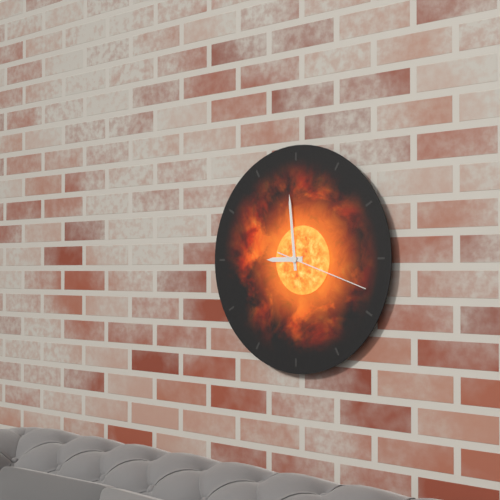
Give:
8h59m18s
